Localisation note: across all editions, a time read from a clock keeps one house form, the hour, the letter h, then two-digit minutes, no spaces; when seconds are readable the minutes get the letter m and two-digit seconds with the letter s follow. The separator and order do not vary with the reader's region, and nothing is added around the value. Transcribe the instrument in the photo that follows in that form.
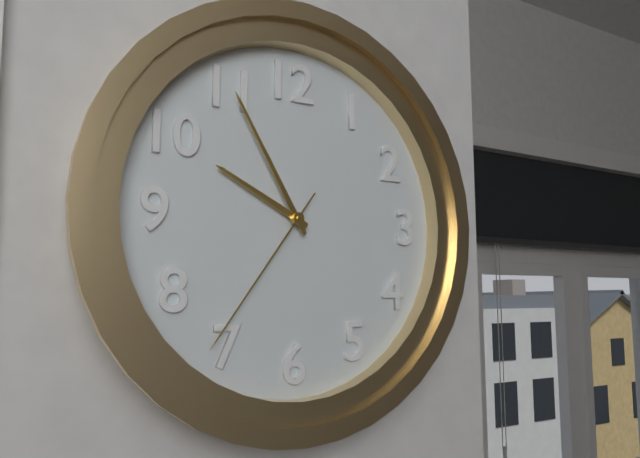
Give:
9h55m36s
